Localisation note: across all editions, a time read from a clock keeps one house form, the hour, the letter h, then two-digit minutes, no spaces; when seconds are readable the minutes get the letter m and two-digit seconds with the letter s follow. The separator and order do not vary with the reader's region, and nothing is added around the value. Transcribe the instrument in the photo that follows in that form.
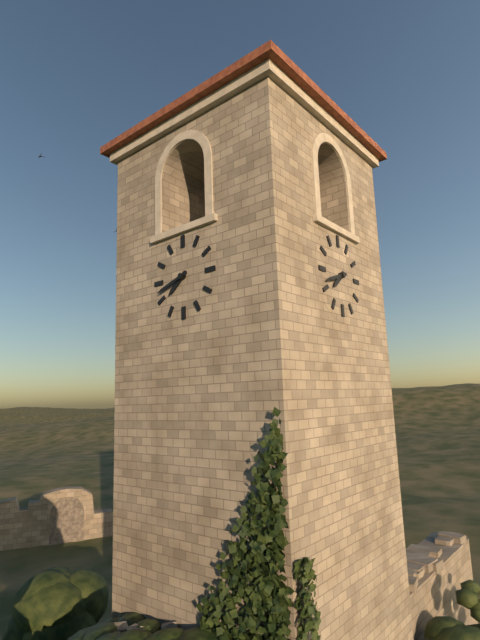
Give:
7h42
